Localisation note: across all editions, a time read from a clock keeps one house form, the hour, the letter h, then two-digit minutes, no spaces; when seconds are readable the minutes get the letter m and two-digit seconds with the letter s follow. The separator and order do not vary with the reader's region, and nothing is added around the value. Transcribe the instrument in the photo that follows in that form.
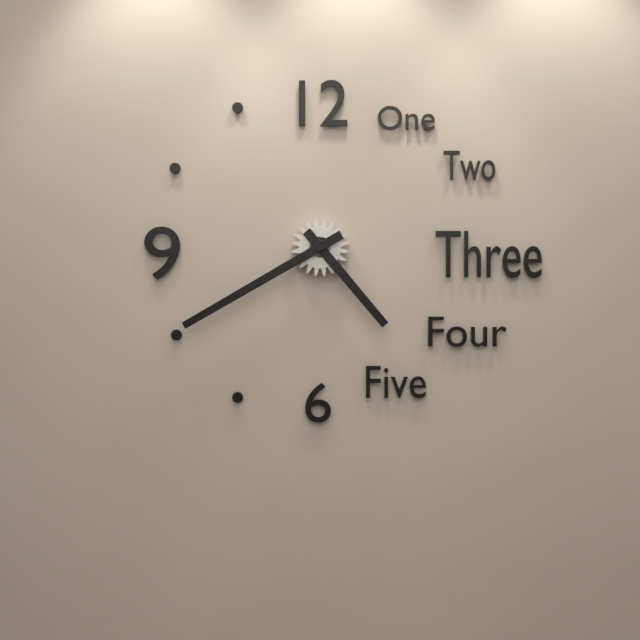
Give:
4h40
